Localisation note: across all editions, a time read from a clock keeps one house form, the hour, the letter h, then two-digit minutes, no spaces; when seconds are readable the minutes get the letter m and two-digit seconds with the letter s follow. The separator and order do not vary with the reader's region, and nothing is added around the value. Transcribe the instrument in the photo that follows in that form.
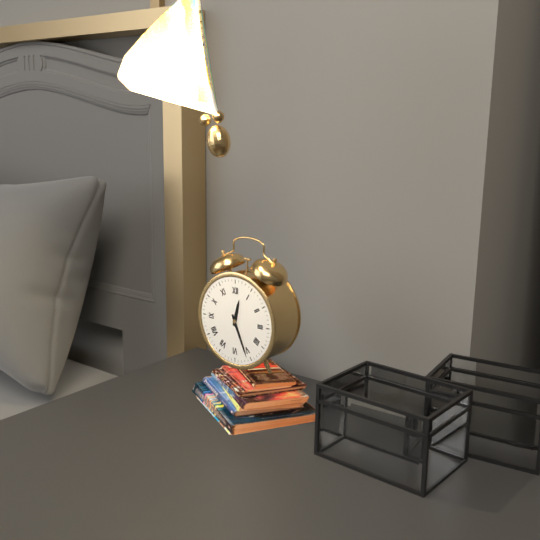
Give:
12h26
